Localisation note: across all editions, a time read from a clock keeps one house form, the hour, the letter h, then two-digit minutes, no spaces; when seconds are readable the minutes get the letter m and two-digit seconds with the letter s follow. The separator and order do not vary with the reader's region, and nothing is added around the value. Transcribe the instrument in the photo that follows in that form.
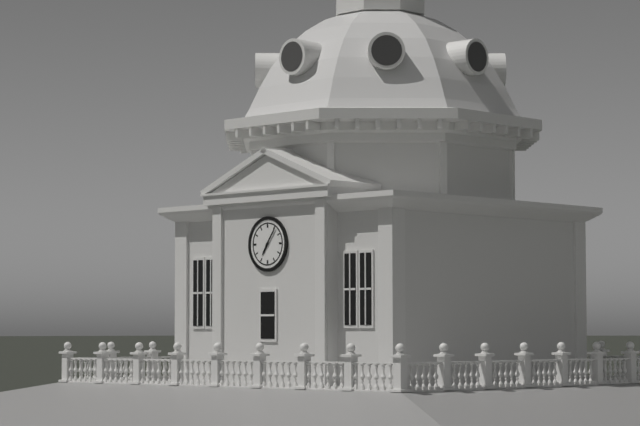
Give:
7h06
